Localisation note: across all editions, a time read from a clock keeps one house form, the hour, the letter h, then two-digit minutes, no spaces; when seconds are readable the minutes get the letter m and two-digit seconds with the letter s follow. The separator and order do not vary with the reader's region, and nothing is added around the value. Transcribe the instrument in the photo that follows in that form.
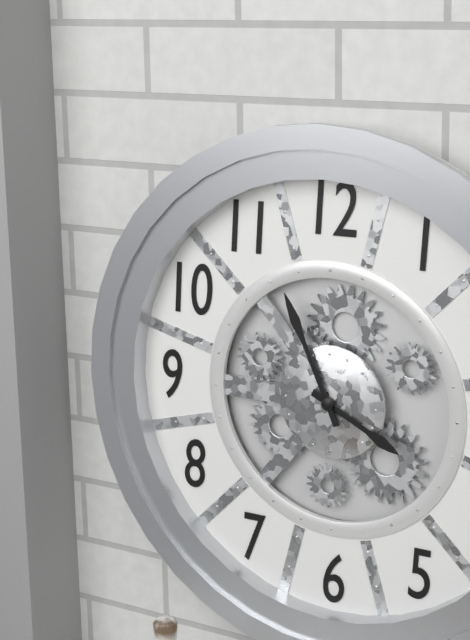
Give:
3h56
